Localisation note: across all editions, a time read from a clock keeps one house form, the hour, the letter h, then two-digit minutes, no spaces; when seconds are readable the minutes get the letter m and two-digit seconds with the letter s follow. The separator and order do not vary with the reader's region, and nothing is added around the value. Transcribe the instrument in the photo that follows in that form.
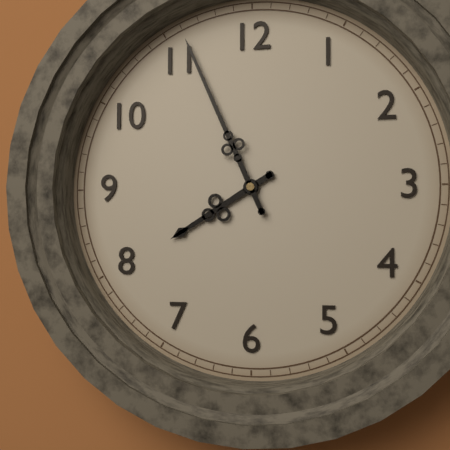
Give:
7h56
